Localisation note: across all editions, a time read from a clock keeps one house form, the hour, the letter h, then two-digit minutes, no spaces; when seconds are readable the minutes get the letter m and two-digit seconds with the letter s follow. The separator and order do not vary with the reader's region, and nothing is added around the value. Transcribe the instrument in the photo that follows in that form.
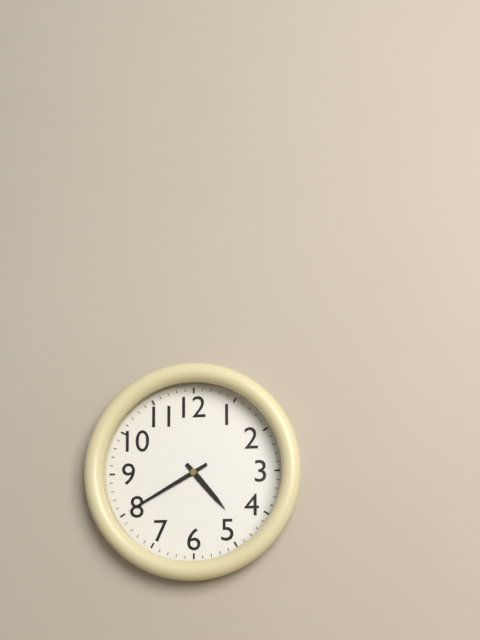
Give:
4h40
